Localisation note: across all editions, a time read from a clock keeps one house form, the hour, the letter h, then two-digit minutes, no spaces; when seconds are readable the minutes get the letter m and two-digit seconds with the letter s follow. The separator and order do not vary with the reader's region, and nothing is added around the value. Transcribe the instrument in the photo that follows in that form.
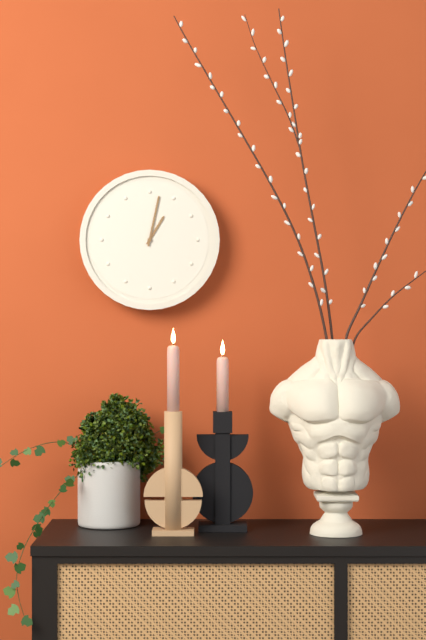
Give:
1h02
